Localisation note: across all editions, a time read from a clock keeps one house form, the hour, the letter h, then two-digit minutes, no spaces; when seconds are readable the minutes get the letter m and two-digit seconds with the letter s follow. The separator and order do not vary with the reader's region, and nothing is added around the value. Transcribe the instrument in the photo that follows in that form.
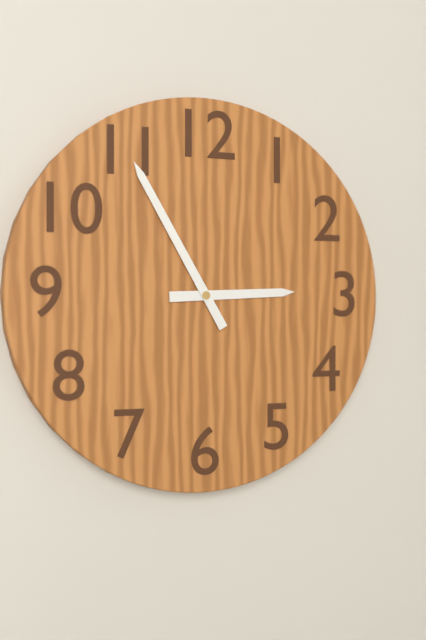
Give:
2h55
